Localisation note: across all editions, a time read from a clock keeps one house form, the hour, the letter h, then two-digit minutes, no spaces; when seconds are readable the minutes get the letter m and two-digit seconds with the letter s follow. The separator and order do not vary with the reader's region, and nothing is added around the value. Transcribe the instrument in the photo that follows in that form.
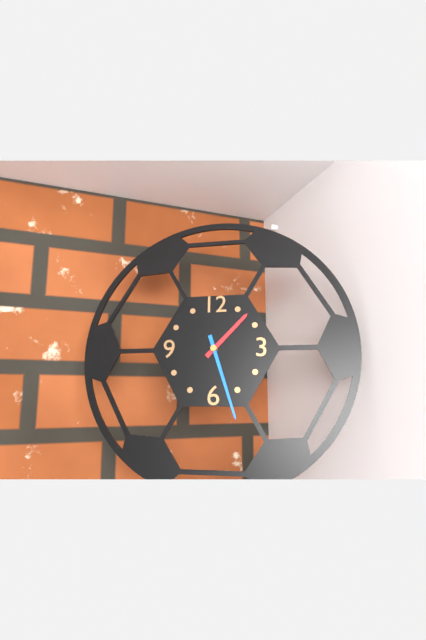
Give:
1h27
